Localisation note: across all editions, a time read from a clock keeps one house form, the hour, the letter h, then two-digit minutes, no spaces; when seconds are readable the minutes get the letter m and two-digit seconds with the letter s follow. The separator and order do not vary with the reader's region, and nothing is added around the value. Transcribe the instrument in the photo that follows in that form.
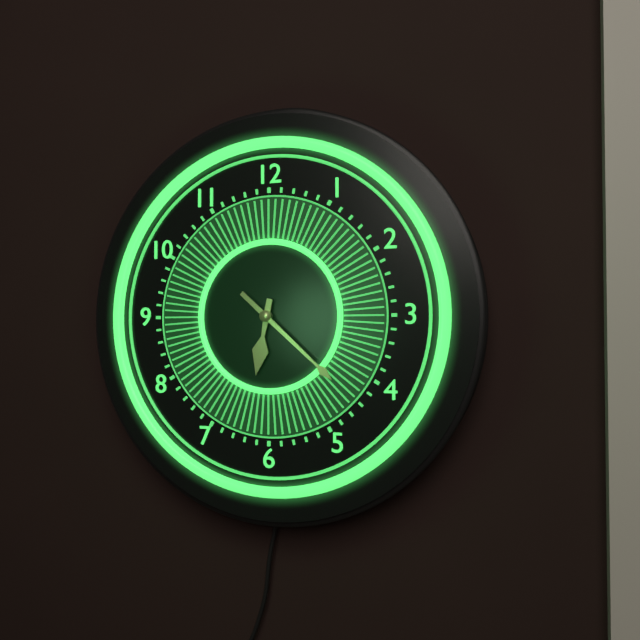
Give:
6h22
